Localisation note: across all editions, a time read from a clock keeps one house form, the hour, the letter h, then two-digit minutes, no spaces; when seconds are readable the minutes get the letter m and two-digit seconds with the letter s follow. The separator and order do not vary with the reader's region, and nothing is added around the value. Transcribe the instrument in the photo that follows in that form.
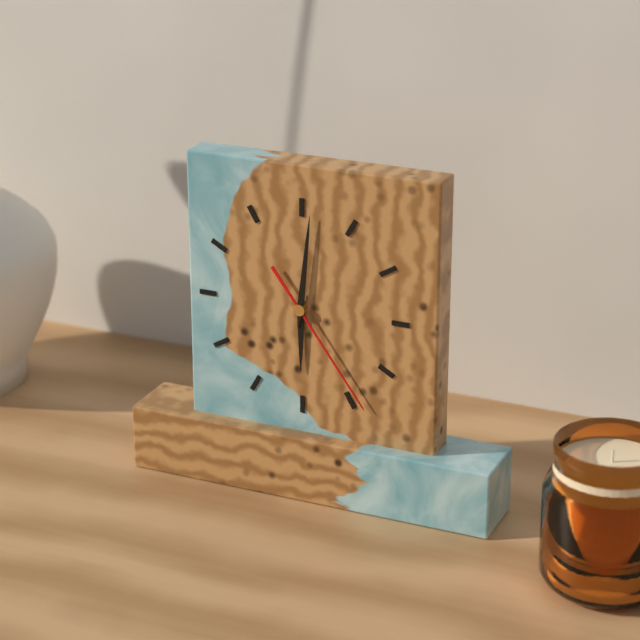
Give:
6h01m24s
